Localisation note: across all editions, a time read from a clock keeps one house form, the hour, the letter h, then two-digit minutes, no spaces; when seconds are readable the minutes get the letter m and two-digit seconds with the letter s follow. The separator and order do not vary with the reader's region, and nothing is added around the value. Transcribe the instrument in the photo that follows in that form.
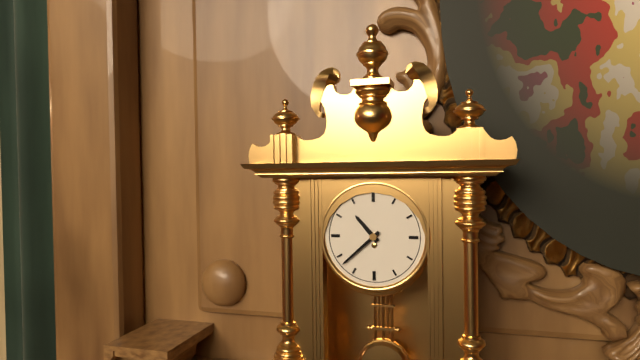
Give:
10h38
